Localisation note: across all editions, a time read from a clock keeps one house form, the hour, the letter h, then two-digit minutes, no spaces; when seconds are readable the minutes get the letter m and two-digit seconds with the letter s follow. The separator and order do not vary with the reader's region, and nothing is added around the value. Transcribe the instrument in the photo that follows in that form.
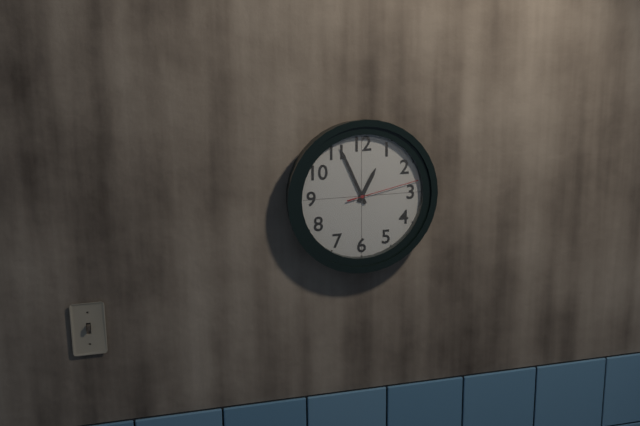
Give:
12h56m13s
